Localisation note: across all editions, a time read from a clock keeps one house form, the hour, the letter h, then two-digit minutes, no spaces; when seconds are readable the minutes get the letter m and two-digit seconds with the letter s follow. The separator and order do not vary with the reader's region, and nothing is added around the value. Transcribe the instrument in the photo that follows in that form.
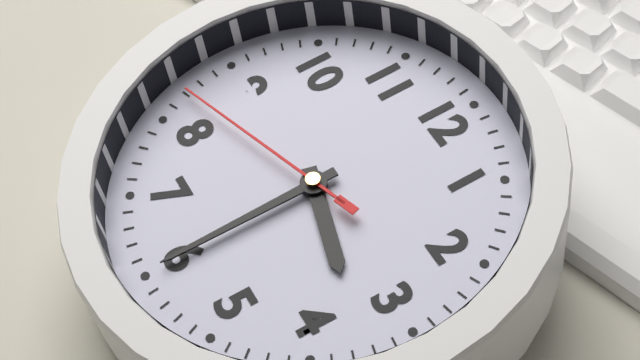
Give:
3h30m42s
